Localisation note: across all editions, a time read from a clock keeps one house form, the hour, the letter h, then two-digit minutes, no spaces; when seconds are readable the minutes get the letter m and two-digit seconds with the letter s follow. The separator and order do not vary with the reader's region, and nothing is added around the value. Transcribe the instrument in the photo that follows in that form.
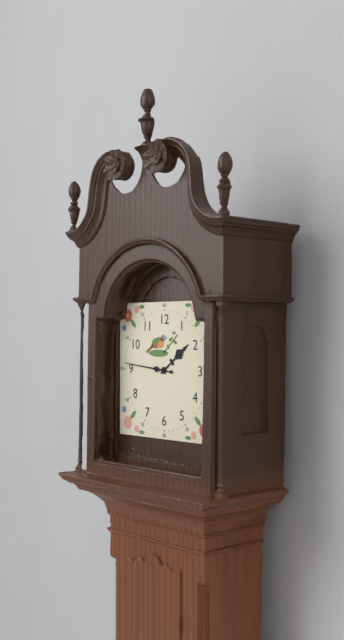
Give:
1h46
